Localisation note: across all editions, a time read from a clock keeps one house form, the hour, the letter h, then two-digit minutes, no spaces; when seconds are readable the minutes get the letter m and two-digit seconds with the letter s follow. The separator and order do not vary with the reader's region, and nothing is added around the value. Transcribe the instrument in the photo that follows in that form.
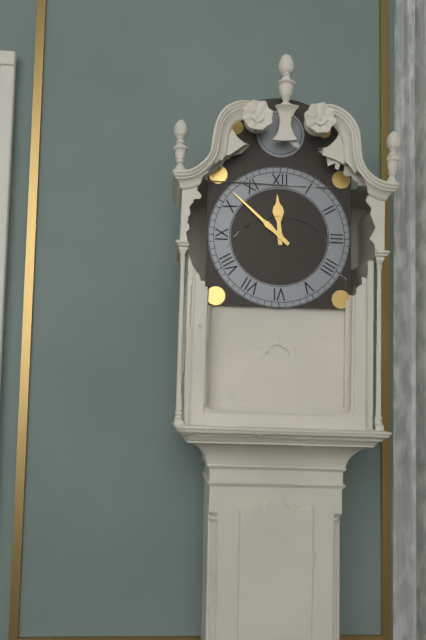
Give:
11h52
